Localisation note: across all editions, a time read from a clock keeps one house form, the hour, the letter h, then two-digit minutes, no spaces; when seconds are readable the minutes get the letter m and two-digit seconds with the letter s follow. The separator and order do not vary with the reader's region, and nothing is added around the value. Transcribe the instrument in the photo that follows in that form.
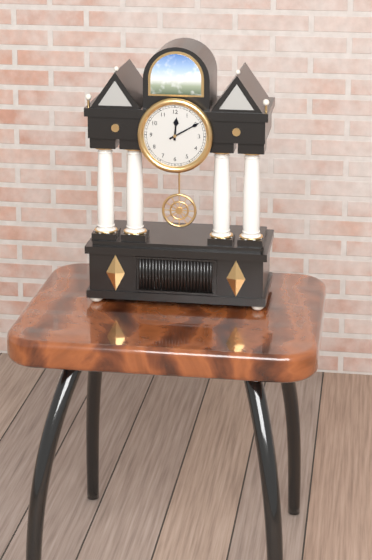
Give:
12h10
